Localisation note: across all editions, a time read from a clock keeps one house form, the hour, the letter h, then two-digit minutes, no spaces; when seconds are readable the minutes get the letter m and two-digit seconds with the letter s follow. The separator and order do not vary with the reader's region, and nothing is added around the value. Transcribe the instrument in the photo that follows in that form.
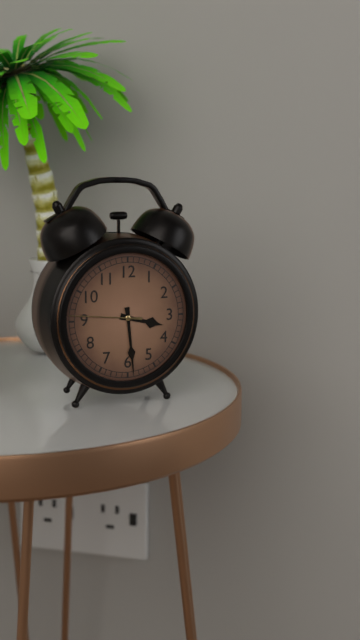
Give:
3h29m46s
